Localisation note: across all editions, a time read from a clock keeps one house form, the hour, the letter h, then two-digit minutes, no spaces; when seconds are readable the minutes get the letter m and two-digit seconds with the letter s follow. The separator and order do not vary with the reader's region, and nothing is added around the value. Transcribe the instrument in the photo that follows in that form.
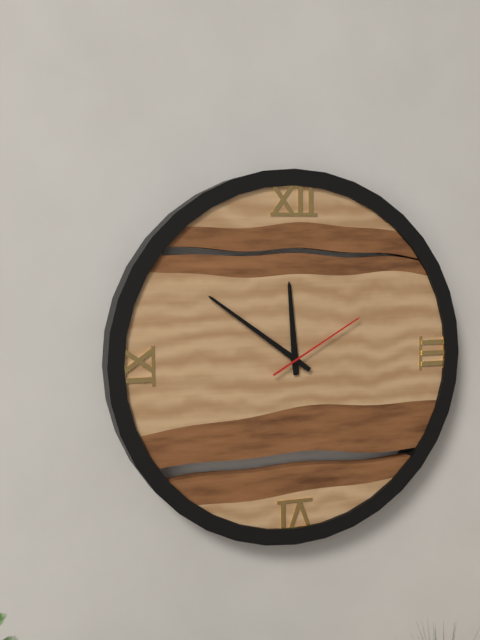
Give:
11h51m10s
